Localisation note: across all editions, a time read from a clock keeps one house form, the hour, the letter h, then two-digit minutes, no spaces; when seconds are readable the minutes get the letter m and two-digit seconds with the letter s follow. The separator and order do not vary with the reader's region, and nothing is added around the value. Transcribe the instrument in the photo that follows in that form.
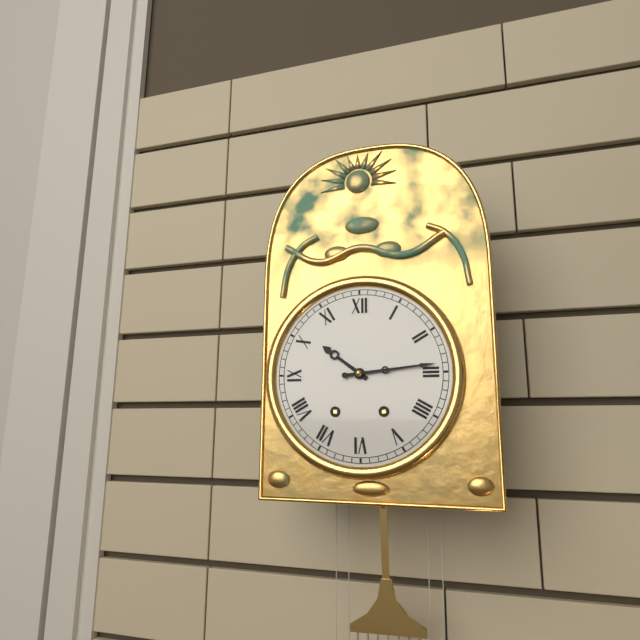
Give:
10h14
